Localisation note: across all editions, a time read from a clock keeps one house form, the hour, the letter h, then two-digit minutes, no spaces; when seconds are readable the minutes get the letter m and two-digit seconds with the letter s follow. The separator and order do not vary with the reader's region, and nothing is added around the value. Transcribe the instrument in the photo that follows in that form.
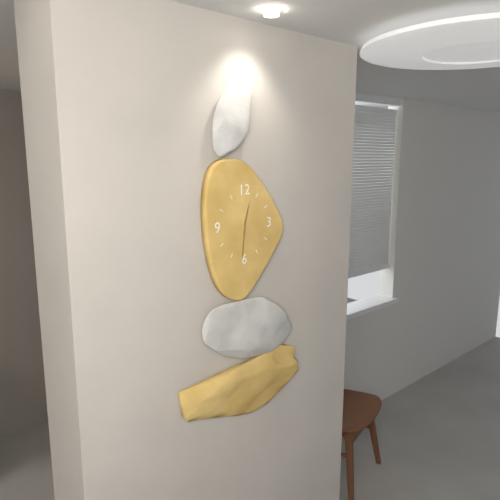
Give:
12h31
